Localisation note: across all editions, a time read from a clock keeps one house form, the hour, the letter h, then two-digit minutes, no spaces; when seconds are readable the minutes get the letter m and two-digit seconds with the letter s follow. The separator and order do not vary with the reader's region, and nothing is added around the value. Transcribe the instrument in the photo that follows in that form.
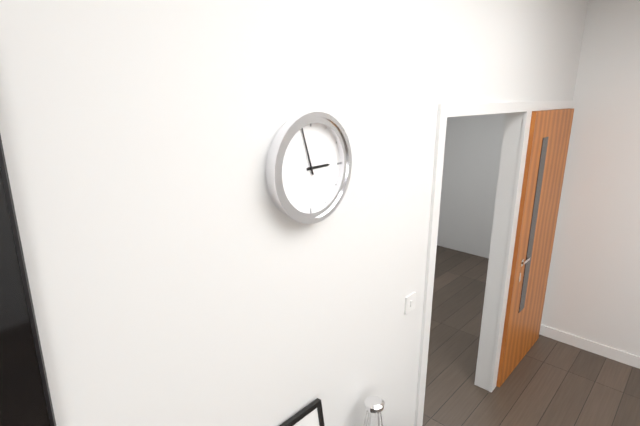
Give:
2h57
